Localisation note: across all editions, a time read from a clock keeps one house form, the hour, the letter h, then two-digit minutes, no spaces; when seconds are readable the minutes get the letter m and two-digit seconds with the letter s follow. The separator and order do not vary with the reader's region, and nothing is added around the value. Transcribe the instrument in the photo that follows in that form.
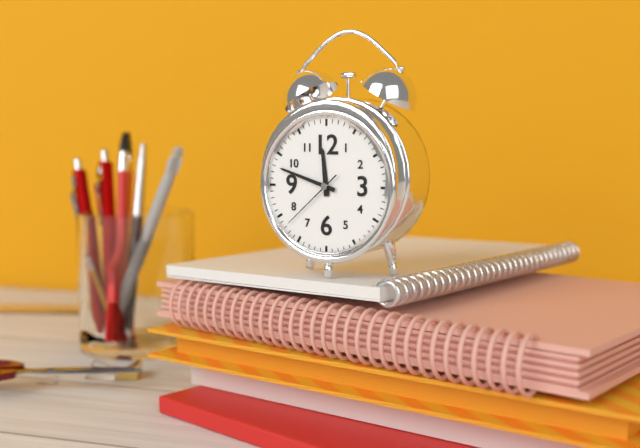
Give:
11h48m38s
